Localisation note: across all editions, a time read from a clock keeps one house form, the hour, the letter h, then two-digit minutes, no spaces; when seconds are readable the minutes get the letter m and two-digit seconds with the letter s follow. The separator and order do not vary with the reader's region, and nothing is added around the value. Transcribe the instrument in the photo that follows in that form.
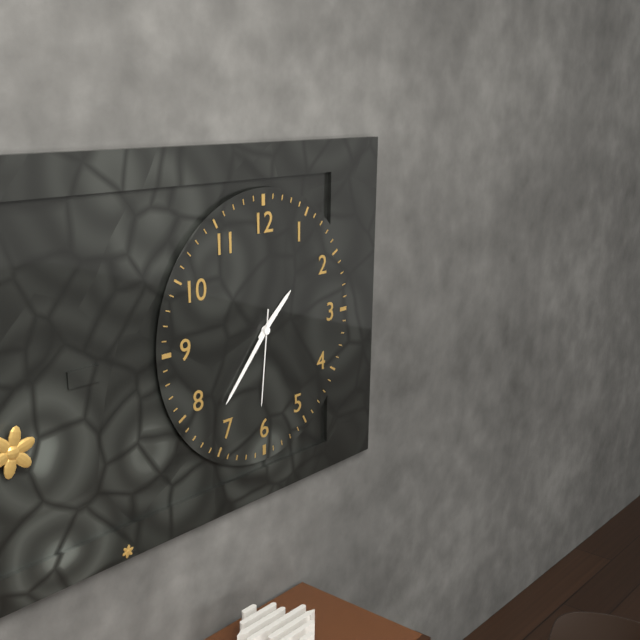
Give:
1h37m31s
